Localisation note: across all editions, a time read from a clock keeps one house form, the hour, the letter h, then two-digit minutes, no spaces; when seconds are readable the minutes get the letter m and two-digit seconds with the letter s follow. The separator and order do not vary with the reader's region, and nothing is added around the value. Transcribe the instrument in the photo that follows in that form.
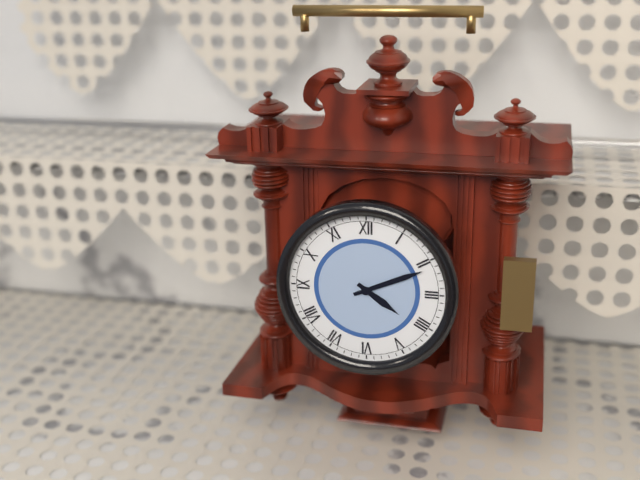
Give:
4h11
